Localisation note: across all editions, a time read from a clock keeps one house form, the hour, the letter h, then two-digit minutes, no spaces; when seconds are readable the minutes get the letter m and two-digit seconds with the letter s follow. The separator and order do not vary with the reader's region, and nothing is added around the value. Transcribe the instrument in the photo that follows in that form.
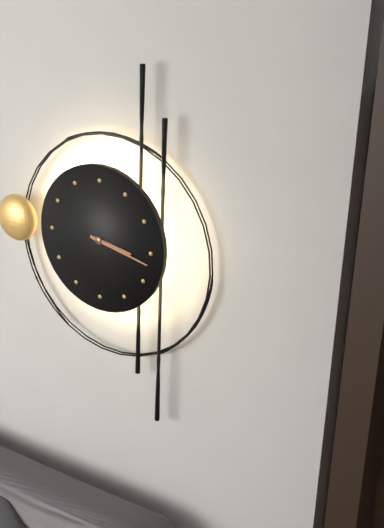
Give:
3h17
